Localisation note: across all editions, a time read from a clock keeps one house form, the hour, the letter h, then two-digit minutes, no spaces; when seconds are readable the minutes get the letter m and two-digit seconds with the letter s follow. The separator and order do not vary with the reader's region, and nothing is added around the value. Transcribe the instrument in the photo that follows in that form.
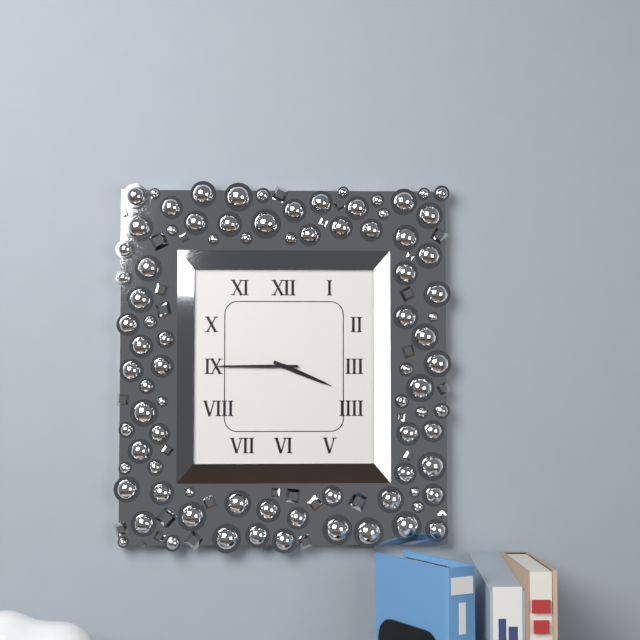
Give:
3h45
